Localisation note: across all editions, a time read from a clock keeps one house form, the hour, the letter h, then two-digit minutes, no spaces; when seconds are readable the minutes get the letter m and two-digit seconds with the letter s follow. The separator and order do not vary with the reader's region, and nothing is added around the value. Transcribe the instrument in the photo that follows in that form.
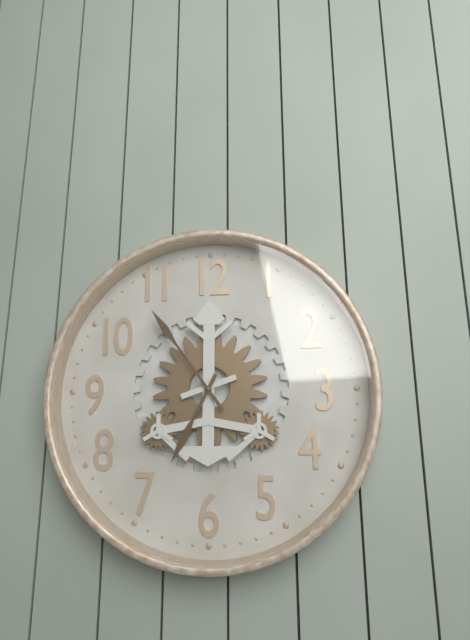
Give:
6h54
